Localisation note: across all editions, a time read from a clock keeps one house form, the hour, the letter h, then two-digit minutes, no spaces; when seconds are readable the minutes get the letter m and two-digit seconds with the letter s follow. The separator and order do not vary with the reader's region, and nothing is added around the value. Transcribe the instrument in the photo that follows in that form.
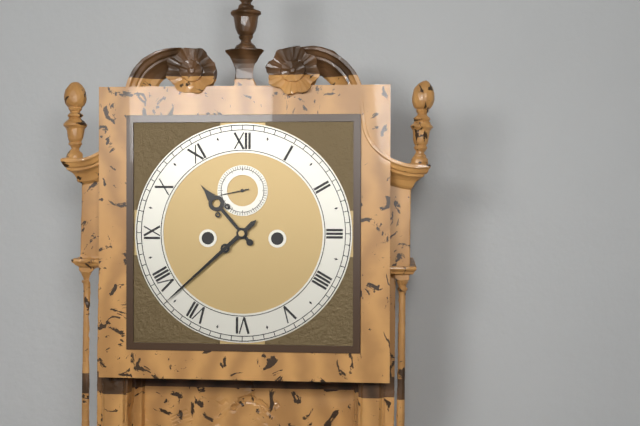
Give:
10h38
